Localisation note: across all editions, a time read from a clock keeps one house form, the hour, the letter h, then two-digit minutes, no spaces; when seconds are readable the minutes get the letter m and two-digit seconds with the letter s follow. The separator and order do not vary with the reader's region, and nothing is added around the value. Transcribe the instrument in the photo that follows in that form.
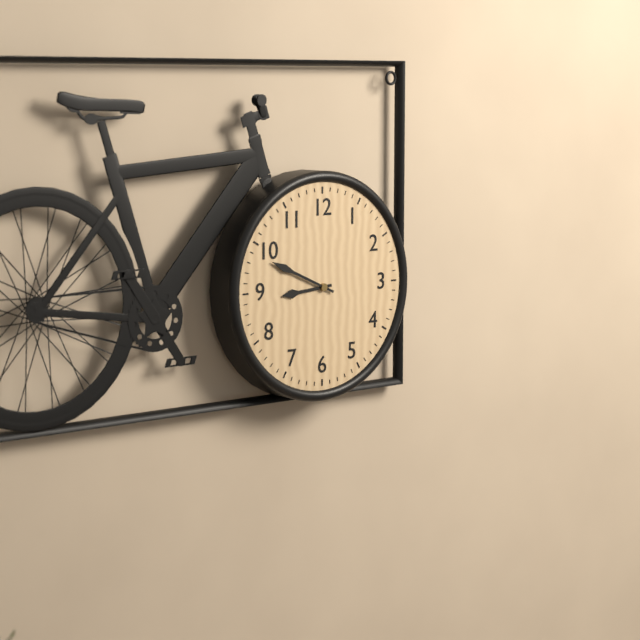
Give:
8h49
